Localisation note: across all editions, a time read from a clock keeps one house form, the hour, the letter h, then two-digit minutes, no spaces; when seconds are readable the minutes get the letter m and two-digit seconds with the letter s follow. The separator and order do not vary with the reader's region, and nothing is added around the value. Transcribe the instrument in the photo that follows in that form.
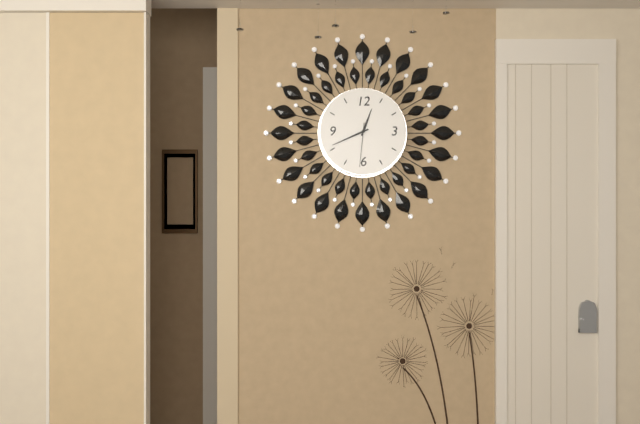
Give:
12h41
